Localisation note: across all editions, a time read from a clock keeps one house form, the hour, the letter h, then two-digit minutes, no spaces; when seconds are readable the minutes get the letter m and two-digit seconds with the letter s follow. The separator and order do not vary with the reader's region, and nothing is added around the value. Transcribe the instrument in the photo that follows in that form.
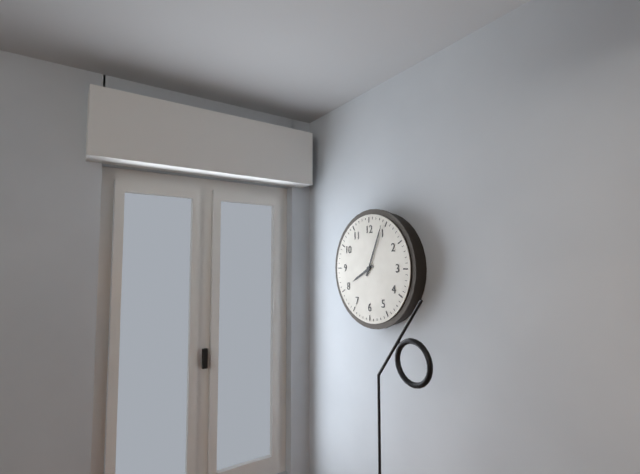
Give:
8h04
